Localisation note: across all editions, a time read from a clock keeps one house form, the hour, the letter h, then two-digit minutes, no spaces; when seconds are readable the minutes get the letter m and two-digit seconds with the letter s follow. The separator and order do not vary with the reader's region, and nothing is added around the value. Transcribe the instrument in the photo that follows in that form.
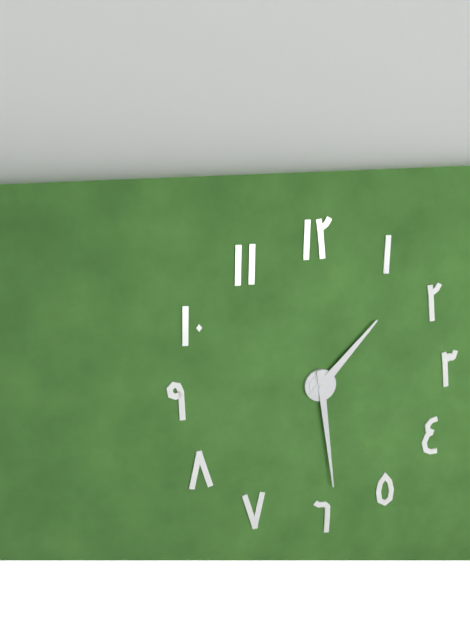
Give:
1h29
